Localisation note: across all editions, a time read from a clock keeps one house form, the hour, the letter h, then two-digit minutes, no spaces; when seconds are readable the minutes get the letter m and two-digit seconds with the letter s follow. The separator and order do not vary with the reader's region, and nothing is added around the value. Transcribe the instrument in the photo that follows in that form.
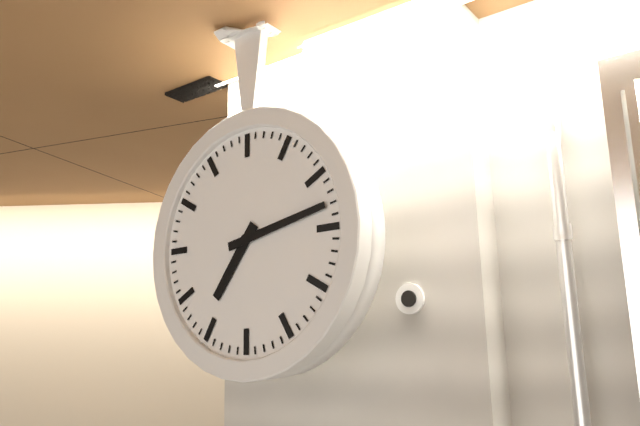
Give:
7h13
